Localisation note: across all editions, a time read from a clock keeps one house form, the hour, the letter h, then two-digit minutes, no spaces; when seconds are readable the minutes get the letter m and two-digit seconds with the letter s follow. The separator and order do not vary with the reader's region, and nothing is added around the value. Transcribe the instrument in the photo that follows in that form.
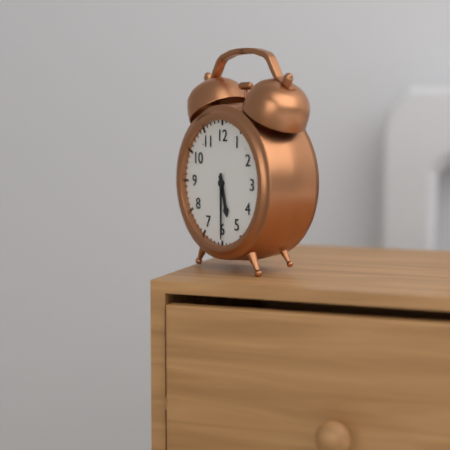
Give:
5h30
